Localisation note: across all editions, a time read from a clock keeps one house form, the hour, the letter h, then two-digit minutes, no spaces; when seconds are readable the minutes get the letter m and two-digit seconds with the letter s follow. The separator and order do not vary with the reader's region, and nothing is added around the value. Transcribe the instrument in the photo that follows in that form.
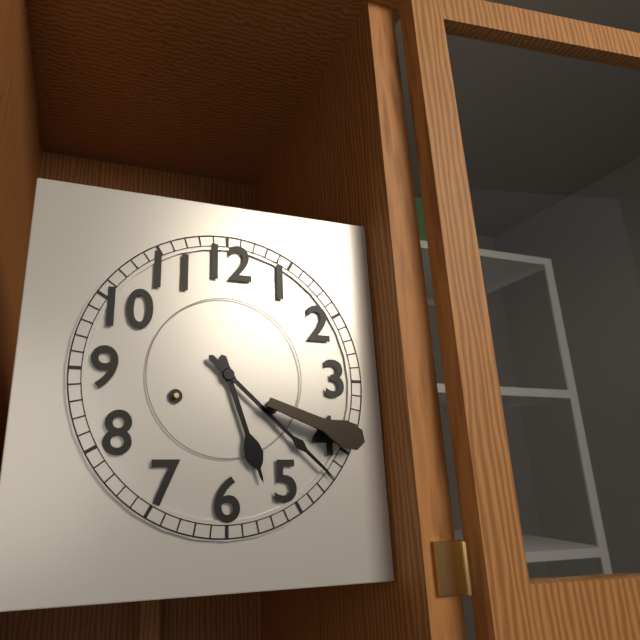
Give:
5h22
